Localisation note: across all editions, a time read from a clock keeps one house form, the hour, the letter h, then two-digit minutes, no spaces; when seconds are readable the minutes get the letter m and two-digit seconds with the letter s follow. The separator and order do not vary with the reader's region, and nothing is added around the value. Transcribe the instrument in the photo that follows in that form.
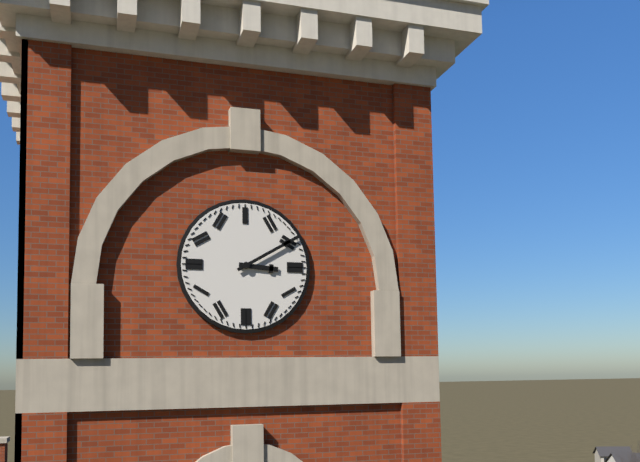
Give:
3h10
